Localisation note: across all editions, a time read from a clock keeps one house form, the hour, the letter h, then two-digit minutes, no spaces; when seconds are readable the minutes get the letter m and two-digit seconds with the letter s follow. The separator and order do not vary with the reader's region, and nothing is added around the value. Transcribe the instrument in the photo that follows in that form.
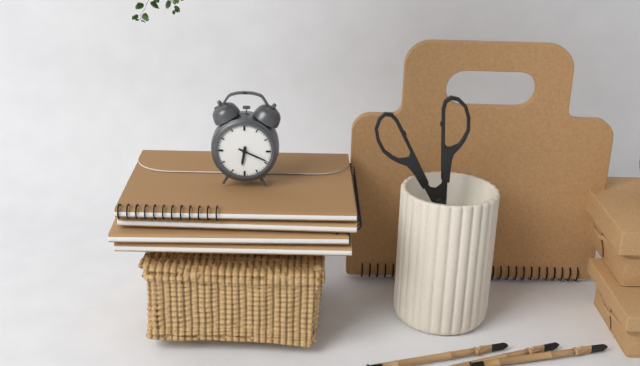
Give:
6h19
